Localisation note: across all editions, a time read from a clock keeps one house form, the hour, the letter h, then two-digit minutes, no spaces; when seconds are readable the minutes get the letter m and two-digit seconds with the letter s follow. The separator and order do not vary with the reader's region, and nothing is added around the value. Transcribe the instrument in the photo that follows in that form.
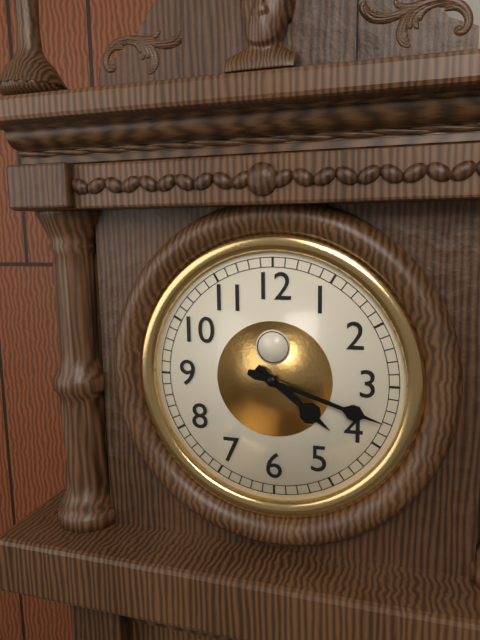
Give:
4h18
